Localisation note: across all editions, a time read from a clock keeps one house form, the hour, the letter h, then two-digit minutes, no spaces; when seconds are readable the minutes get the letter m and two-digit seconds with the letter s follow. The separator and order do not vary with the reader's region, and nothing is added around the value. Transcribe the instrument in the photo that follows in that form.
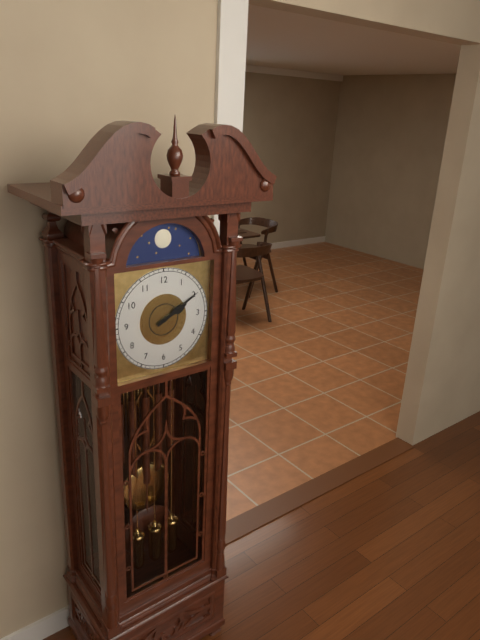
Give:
2h10
